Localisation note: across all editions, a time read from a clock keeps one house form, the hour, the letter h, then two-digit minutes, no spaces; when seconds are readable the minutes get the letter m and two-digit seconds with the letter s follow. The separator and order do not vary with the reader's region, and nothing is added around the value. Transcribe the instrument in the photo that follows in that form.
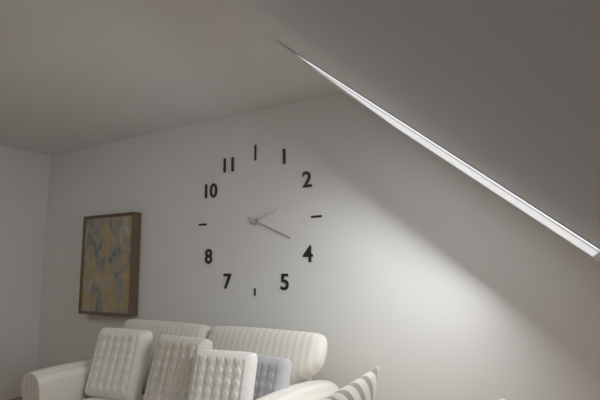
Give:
2h19
